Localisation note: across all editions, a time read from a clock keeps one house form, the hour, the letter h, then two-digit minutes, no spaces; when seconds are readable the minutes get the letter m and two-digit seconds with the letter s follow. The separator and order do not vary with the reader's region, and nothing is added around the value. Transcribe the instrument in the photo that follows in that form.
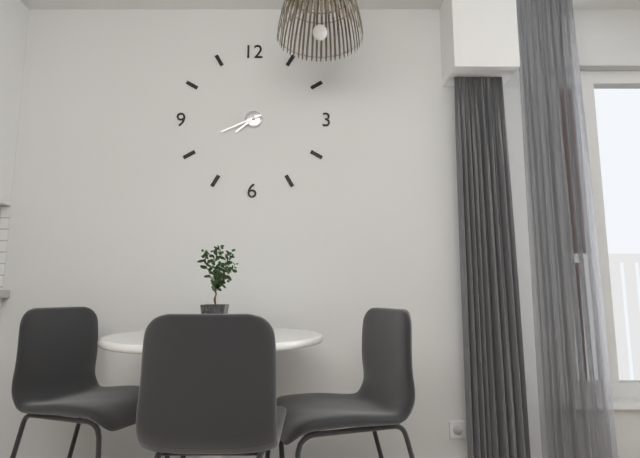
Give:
7h41
